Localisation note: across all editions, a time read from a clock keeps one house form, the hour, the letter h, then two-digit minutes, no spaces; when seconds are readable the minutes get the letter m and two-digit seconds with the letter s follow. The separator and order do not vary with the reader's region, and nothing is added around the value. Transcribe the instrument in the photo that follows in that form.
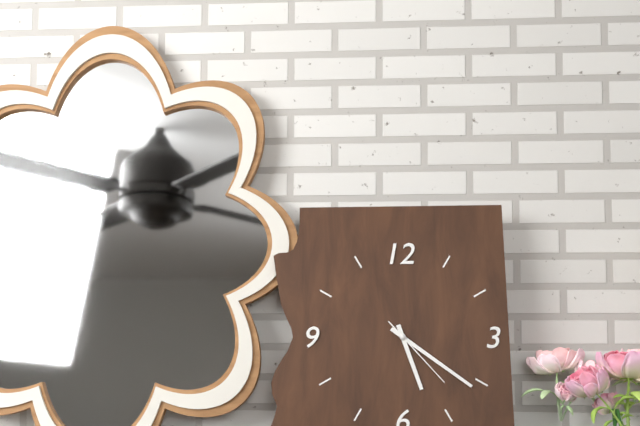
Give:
5h21m23s
